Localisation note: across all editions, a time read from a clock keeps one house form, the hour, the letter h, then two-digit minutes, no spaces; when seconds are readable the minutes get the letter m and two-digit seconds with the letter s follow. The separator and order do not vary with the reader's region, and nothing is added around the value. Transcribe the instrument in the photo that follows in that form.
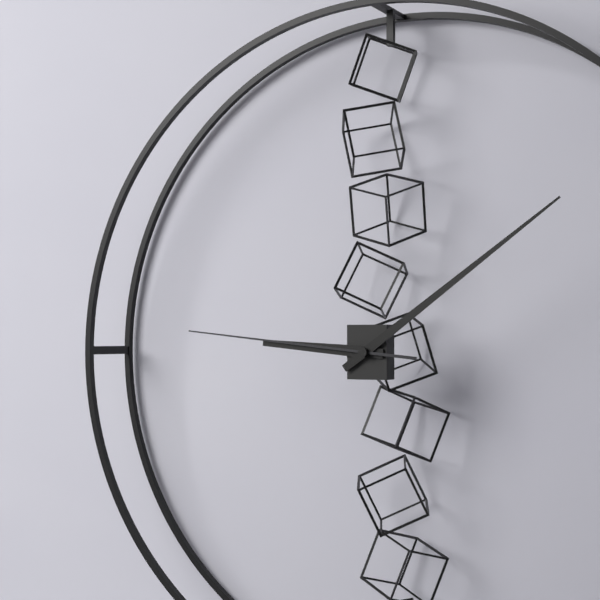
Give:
9h09m46s
